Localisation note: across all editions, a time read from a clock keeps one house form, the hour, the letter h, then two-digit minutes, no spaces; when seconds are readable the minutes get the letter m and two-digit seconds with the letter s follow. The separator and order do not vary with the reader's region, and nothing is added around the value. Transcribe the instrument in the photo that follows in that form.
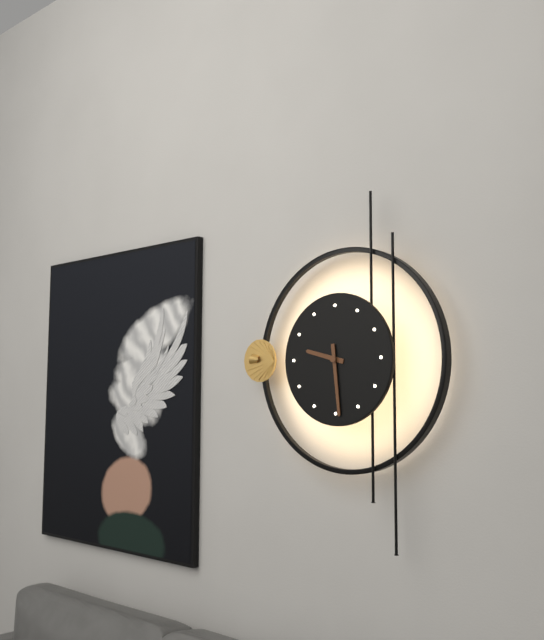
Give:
9h29
